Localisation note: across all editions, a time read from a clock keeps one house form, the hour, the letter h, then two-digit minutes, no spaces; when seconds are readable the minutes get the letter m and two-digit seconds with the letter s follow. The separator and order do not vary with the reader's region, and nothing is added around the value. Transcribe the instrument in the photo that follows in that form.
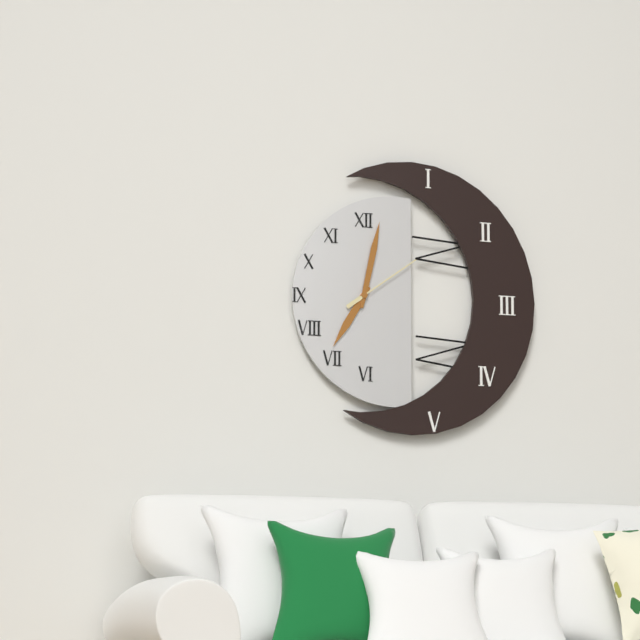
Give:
7h02m09s
